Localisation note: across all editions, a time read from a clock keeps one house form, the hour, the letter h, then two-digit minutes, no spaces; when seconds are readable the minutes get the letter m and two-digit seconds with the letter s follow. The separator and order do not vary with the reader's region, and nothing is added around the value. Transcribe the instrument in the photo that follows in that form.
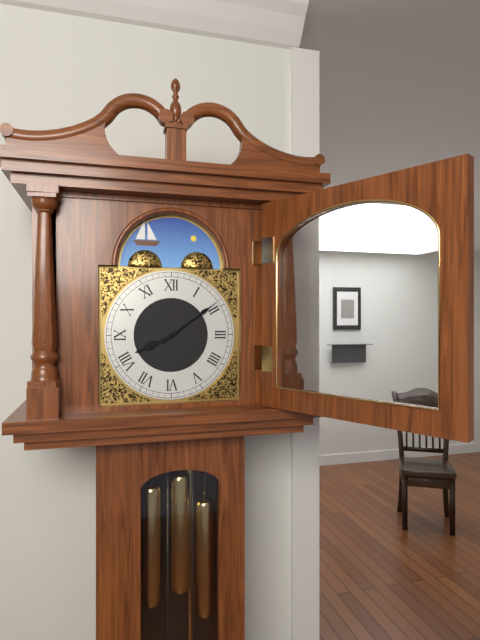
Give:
8h09
